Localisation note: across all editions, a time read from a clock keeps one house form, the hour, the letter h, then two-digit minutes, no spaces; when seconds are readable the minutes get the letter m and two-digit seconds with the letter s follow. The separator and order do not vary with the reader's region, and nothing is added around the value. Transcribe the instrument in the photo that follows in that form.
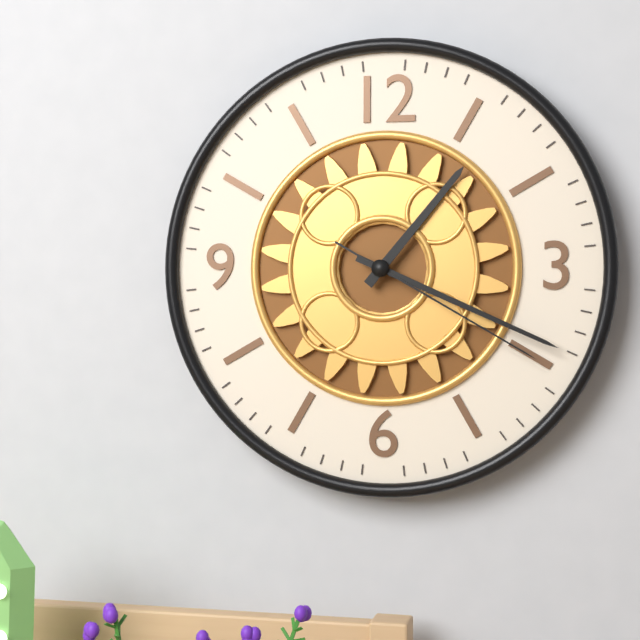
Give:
1h19m20s
